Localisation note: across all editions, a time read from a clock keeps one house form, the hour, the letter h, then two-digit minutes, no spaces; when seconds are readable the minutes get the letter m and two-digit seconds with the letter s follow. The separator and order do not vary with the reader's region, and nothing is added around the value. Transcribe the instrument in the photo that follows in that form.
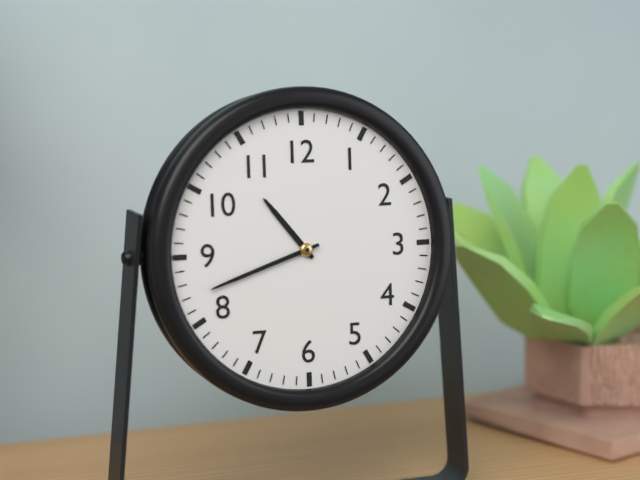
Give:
10h42
